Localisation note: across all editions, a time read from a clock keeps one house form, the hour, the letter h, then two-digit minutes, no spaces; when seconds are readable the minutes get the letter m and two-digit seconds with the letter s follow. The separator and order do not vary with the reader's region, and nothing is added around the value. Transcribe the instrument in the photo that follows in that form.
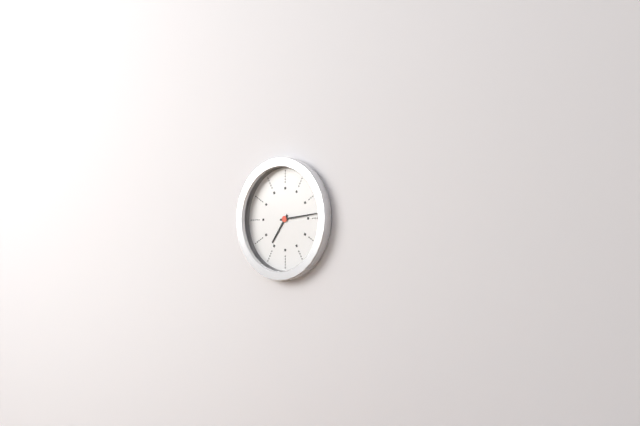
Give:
7h14
